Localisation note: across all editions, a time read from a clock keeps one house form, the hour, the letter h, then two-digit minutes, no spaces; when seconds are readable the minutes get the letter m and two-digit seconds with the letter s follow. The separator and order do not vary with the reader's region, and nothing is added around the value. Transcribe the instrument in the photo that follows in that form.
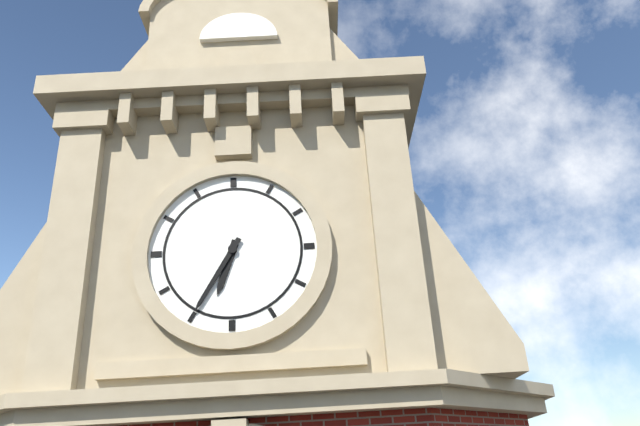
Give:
6h35
